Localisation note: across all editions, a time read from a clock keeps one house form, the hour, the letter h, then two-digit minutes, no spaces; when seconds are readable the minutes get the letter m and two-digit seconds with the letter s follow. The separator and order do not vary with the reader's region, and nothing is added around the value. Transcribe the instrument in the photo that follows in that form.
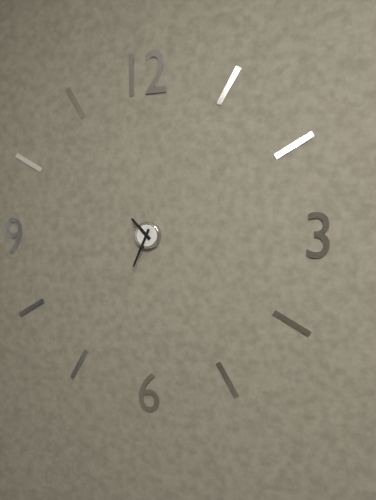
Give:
10h34
